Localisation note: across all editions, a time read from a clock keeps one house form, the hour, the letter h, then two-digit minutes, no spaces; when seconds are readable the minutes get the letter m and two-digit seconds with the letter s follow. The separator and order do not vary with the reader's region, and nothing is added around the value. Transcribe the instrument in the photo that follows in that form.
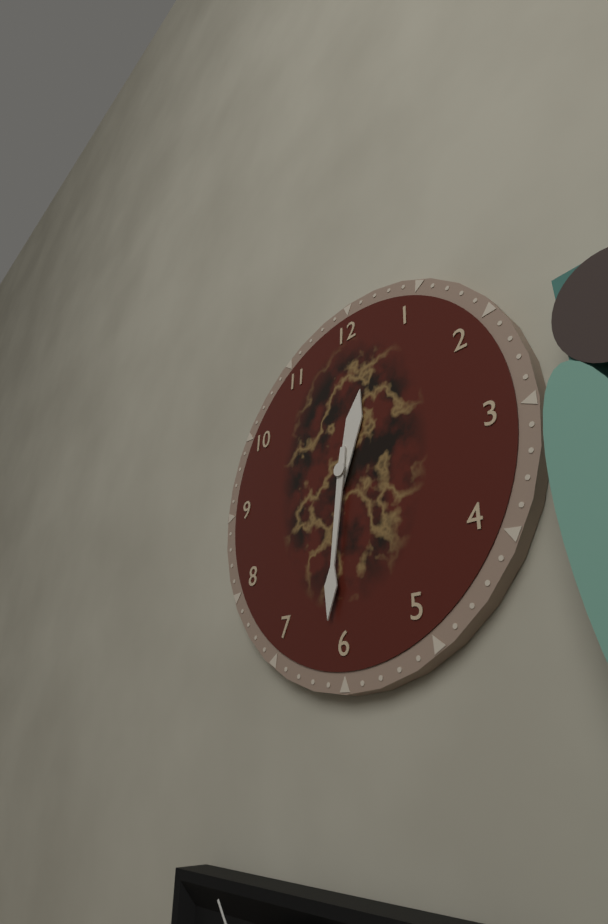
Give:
12h31
